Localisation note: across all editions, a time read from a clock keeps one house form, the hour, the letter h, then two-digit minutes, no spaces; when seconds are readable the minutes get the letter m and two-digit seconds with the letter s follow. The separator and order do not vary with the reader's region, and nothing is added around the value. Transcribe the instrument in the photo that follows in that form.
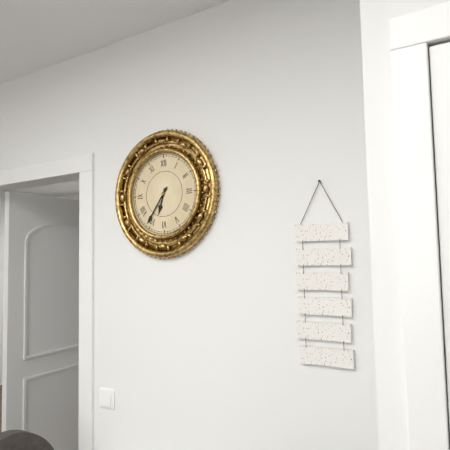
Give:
6h36
